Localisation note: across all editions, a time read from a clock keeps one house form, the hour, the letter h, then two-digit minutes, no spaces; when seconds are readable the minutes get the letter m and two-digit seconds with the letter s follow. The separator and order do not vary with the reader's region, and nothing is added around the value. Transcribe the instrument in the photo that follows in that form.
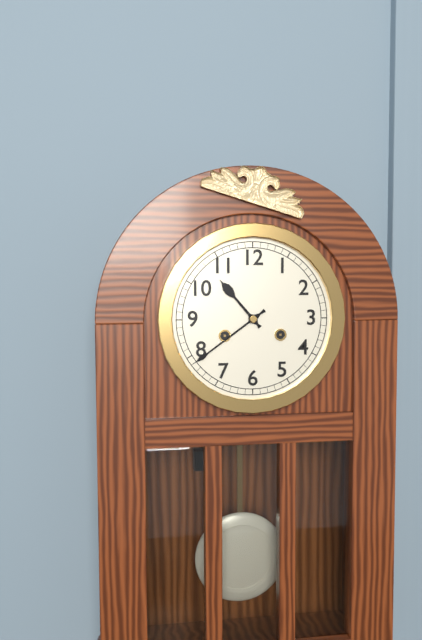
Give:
10h39
